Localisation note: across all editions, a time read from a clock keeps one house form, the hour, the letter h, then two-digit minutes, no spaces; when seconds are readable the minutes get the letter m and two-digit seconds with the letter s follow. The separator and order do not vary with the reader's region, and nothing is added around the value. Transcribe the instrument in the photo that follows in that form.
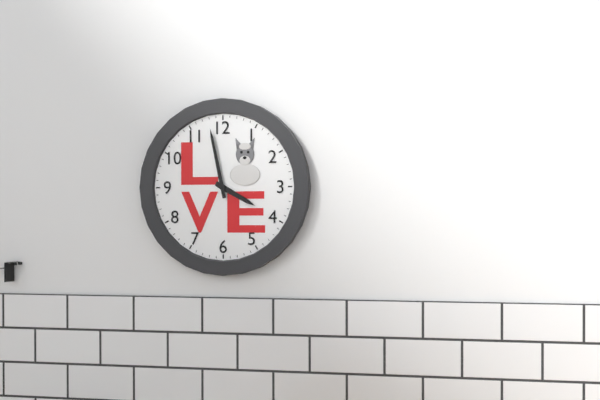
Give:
3h58
